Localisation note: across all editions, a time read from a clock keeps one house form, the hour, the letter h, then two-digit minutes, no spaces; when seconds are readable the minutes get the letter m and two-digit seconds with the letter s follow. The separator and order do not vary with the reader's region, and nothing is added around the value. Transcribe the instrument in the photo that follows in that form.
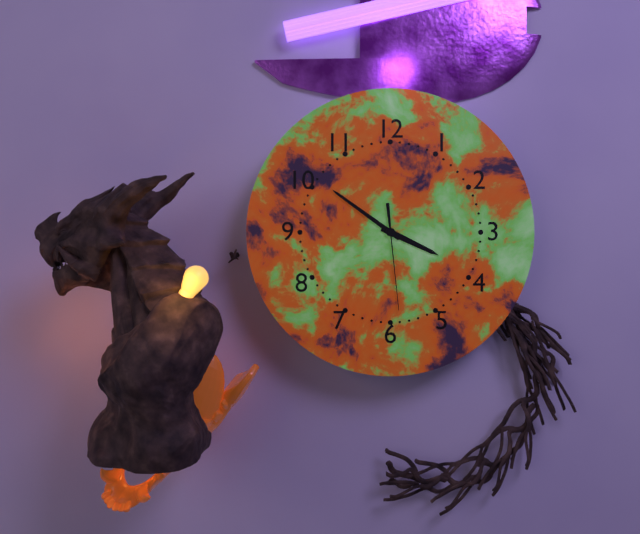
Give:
3h51m29s
